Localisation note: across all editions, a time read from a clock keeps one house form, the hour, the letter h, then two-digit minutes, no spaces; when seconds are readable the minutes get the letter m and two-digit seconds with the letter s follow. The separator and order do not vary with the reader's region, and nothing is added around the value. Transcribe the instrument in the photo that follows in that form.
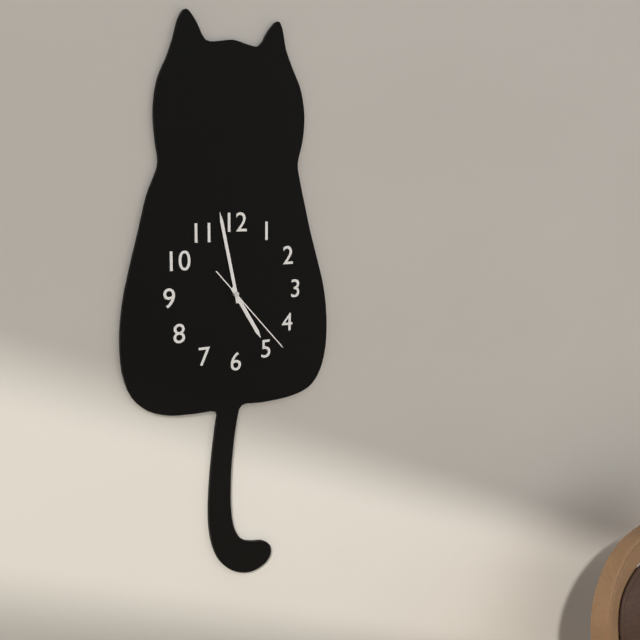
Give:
4h58m23s
